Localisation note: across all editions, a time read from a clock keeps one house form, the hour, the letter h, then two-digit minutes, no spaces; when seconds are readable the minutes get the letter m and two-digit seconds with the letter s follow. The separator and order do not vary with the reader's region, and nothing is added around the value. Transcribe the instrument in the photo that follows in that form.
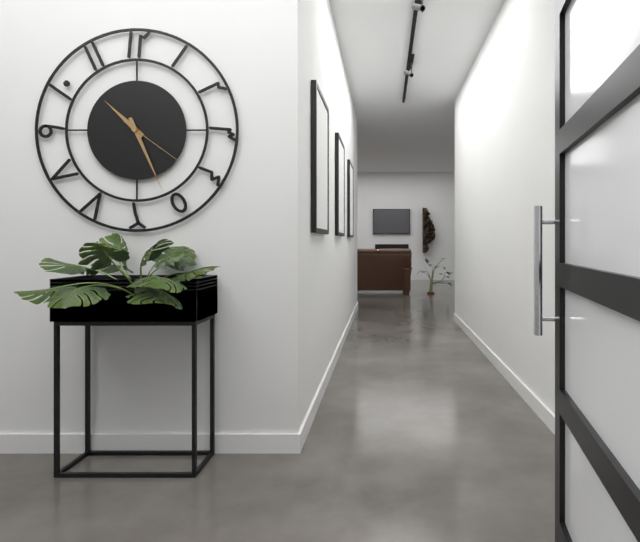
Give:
10h26m21s
